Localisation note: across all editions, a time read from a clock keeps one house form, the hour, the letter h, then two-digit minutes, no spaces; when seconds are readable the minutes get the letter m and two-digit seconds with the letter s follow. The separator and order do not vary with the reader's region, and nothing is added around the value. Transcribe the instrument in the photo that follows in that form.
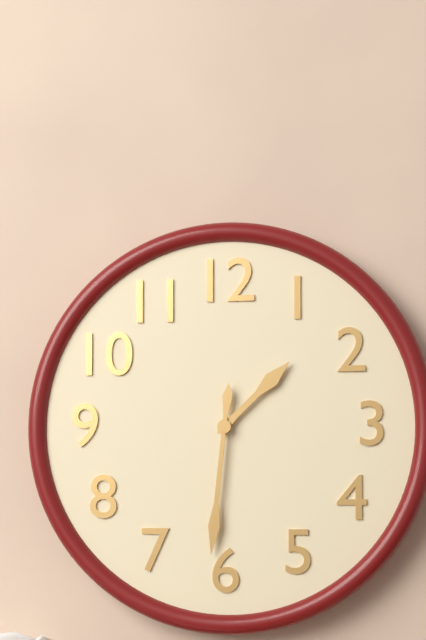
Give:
1h31
